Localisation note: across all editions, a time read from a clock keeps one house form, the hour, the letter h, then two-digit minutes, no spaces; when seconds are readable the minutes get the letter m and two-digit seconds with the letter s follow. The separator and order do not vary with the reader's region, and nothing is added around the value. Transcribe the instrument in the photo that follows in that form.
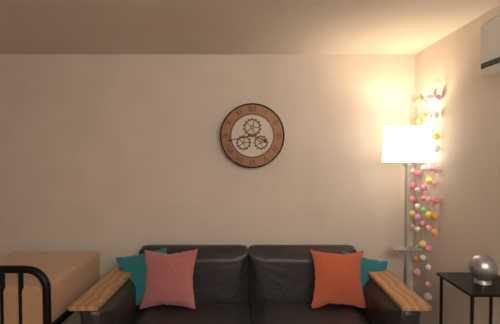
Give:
3h43
